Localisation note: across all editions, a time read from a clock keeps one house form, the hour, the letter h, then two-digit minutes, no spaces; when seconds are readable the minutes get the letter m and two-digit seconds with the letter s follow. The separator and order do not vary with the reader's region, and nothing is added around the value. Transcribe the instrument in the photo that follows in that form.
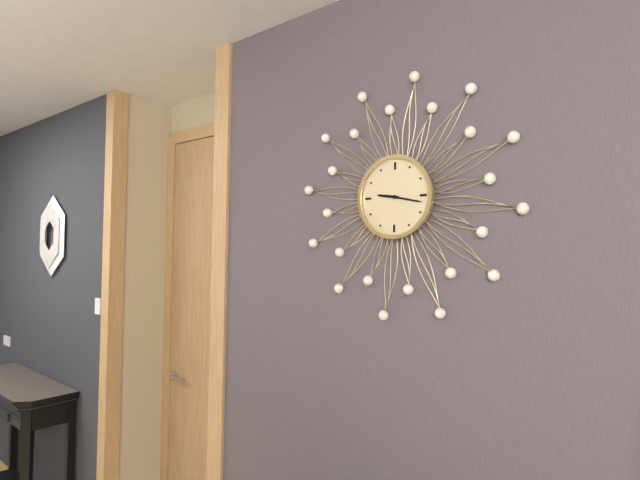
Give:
9h17
